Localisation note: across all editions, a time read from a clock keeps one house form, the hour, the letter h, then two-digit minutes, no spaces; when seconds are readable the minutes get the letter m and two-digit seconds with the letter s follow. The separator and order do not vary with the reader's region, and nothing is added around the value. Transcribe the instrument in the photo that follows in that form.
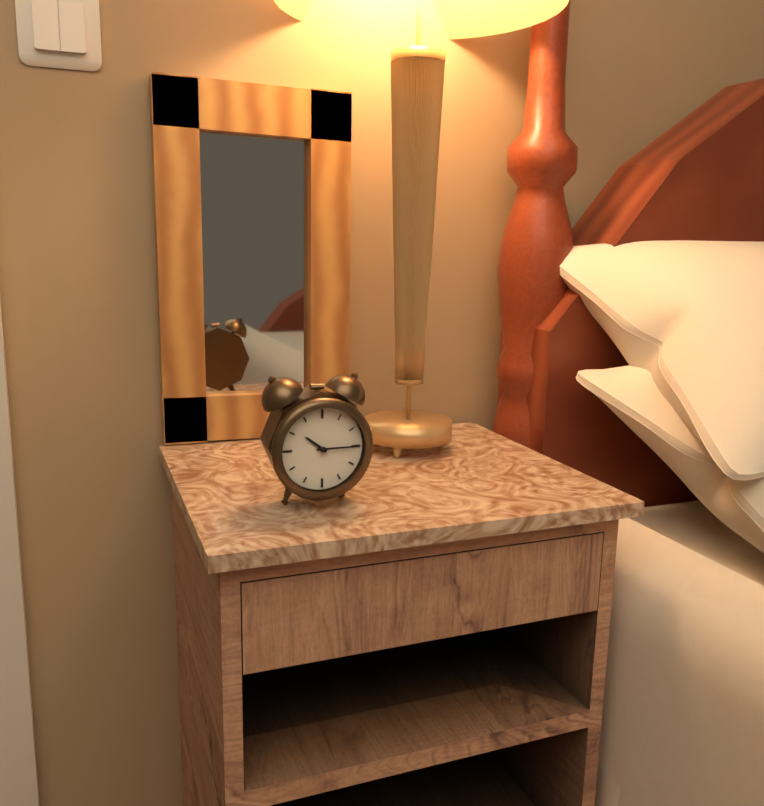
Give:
10h15
